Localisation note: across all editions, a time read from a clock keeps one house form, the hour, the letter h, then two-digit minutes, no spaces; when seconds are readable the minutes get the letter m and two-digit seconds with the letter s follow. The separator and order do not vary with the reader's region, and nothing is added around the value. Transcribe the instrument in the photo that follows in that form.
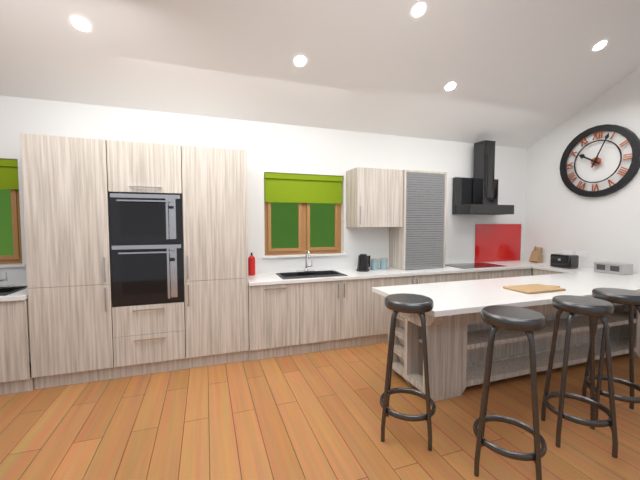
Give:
10h04
